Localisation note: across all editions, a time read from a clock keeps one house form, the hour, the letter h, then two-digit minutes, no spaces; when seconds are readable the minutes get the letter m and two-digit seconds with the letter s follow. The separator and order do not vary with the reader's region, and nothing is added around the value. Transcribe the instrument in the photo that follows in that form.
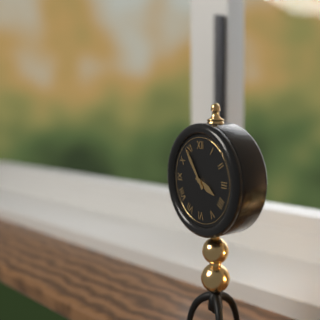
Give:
3h54
